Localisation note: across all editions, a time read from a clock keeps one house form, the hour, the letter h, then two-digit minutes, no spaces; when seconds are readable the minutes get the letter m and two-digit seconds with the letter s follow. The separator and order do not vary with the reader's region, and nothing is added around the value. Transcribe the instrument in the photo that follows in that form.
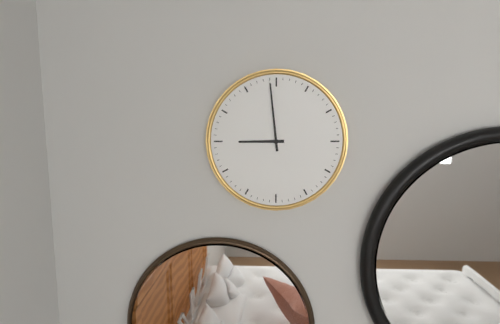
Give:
8h59
